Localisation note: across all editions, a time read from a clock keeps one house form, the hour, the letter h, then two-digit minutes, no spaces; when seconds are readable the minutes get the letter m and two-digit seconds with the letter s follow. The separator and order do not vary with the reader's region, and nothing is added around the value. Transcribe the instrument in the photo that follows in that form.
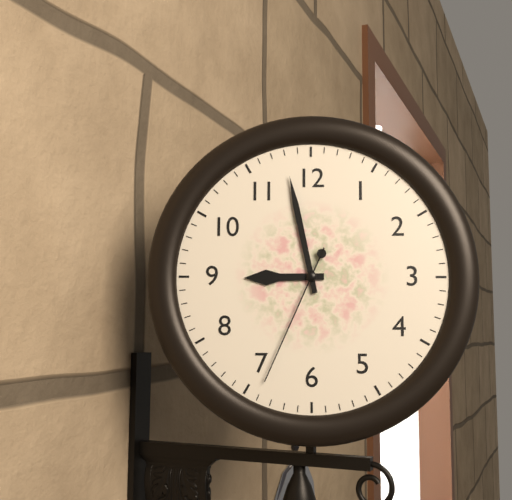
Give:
8h58m34s
